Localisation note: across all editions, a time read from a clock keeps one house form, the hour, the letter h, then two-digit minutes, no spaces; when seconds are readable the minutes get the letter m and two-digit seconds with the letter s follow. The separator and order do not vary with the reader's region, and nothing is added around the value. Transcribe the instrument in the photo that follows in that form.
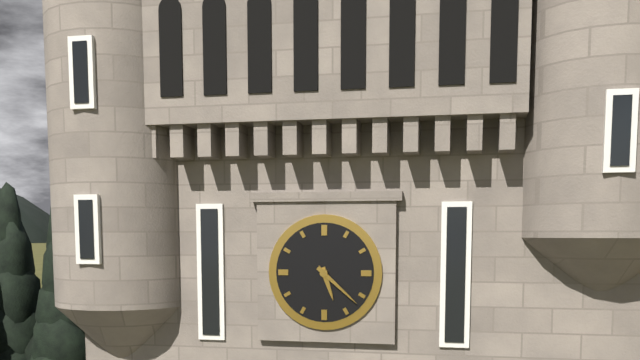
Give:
5h22
